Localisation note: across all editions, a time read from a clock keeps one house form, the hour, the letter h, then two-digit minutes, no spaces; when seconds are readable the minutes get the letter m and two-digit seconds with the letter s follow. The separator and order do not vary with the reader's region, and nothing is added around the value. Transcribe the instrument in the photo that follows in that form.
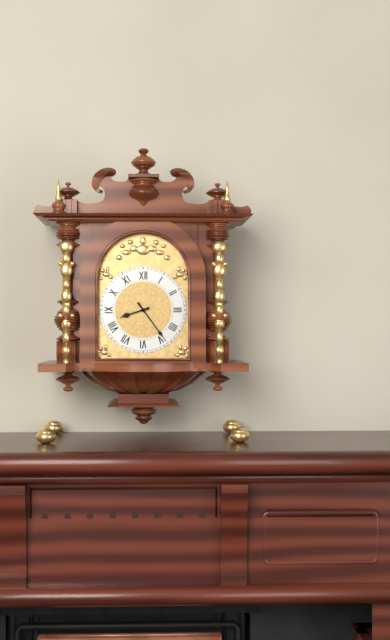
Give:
8h24
